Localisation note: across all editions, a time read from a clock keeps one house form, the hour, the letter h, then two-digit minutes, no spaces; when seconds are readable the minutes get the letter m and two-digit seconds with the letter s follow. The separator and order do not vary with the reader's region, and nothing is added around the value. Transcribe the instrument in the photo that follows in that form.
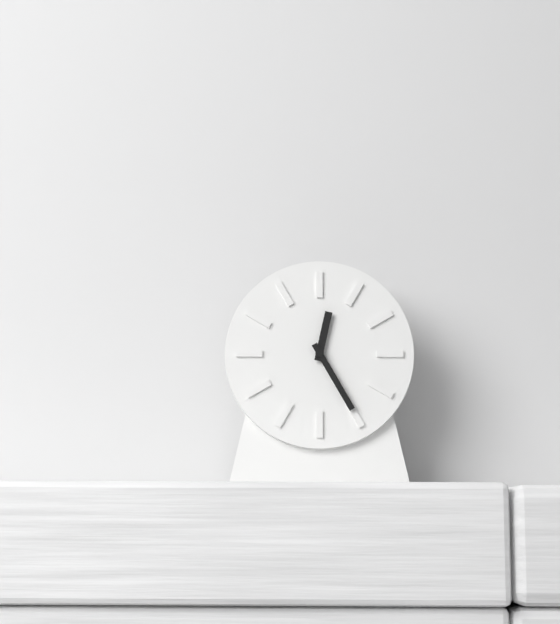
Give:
12h25
